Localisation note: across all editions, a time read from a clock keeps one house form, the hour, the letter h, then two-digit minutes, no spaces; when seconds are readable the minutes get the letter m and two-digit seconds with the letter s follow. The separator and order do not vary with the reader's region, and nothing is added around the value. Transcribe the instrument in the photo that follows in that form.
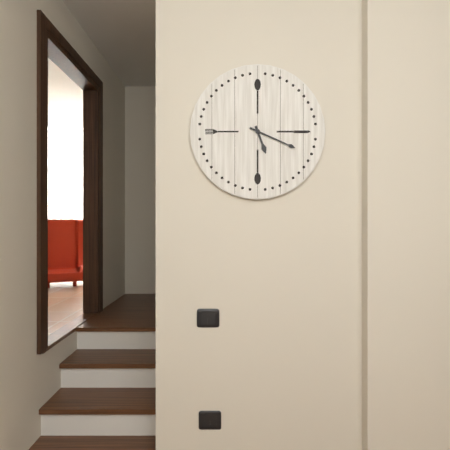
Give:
5h19
